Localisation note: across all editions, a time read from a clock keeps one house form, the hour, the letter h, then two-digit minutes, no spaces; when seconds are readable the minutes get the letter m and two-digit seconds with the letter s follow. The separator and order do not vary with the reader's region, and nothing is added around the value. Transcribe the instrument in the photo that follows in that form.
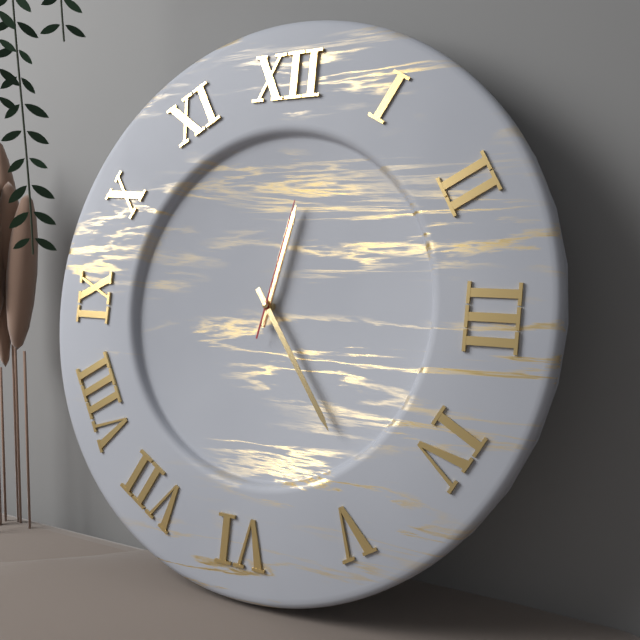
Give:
12h24m02s
